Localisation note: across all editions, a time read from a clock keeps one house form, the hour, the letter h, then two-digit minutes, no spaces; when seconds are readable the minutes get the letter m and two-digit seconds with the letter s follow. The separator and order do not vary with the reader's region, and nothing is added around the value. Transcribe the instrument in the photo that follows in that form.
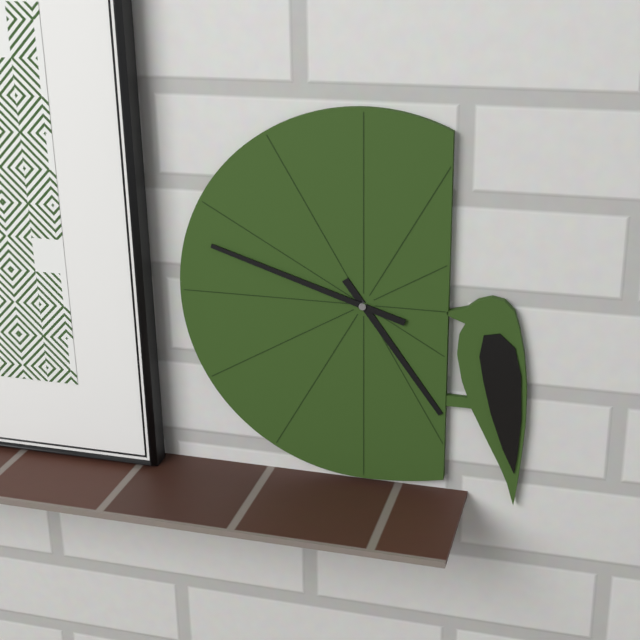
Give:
4h48
